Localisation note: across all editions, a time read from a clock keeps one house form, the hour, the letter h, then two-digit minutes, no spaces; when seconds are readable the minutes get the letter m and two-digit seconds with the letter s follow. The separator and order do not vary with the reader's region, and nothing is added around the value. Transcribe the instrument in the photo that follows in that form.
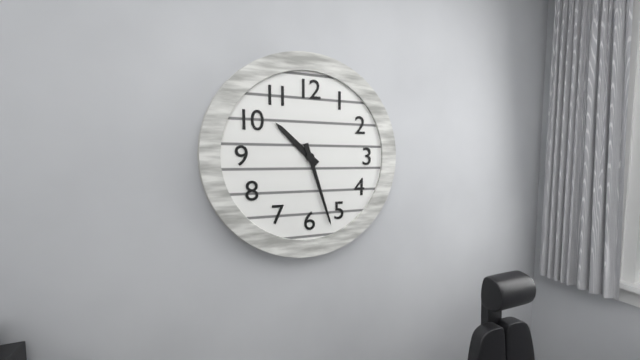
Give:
10h27
